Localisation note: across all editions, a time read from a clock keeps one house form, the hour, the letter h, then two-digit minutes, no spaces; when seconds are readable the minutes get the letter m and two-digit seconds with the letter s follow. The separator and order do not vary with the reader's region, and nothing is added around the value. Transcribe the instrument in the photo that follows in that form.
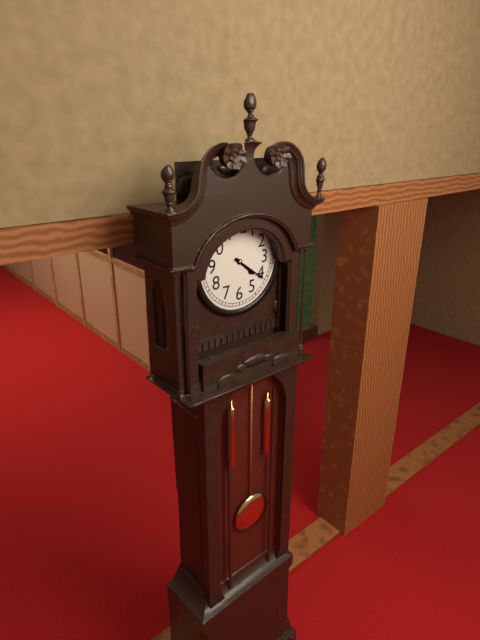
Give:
4h21
